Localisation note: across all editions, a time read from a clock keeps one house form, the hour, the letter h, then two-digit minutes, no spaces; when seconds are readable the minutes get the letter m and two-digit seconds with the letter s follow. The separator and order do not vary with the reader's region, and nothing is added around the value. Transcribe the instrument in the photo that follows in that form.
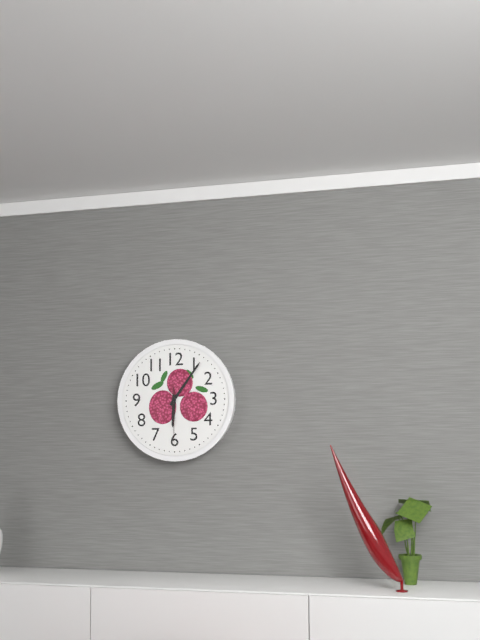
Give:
6h06m30s
